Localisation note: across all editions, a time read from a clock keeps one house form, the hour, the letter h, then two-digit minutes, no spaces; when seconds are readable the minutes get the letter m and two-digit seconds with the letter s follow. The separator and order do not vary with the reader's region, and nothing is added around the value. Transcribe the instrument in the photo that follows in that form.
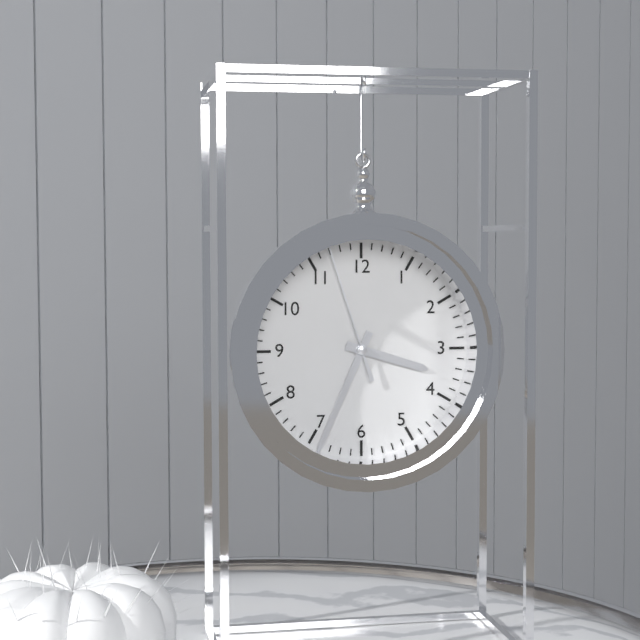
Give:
3h34m57s
